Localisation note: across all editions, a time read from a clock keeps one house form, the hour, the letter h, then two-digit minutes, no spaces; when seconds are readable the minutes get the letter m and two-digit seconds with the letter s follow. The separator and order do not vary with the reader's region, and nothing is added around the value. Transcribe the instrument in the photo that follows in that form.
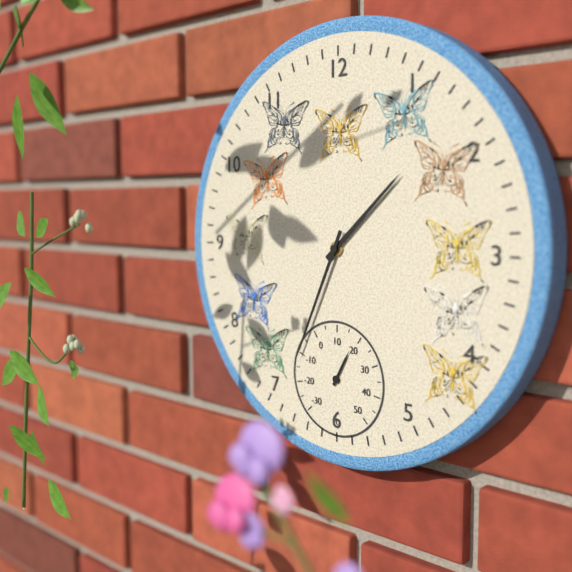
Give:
1h34
